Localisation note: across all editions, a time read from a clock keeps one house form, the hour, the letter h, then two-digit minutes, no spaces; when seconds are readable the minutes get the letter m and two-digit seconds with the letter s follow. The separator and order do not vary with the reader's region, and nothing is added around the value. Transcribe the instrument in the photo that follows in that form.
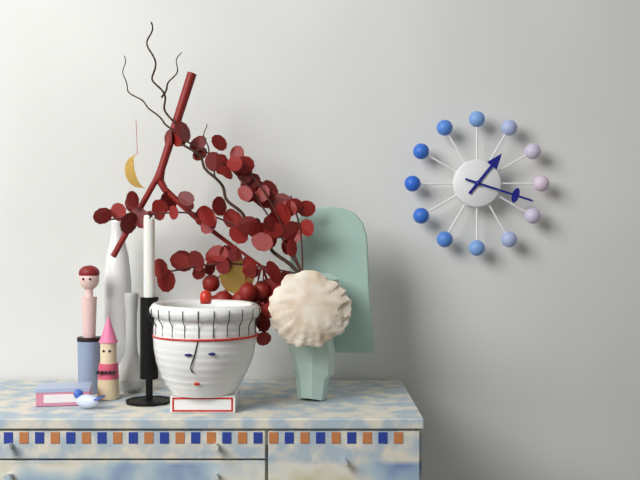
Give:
1h18
